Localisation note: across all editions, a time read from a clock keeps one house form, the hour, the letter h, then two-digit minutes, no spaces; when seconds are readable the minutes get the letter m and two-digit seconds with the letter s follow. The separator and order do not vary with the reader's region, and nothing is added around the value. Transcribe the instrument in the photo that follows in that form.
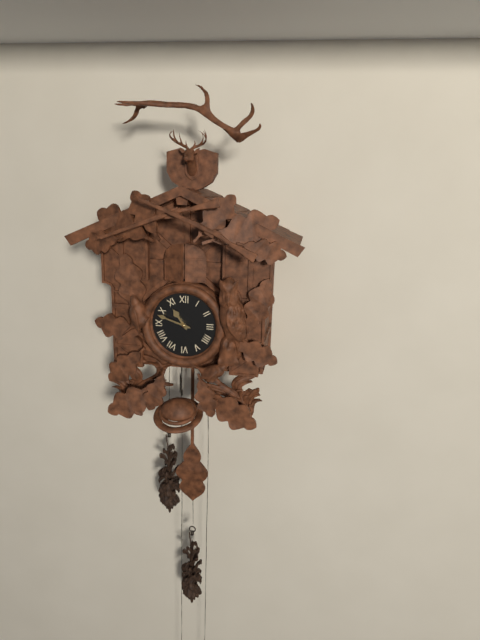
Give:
10h48
